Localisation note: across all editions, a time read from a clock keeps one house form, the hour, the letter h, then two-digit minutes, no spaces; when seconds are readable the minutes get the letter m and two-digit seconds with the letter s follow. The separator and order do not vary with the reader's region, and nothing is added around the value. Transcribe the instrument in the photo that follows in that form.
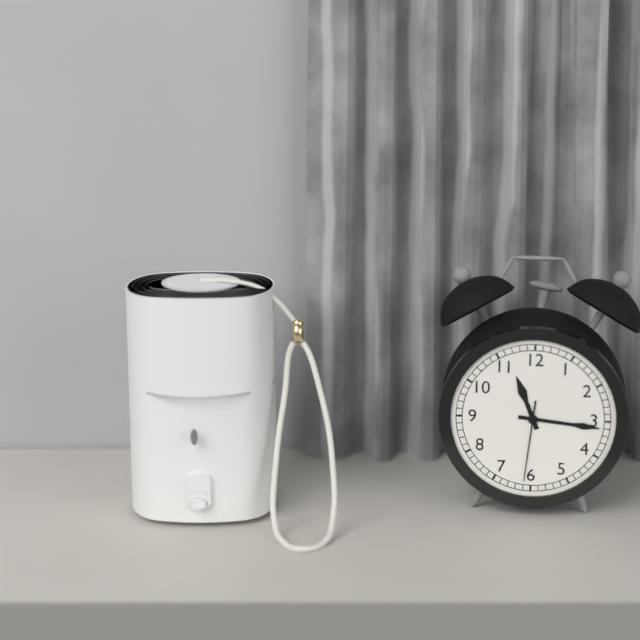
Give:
11h16m31s
